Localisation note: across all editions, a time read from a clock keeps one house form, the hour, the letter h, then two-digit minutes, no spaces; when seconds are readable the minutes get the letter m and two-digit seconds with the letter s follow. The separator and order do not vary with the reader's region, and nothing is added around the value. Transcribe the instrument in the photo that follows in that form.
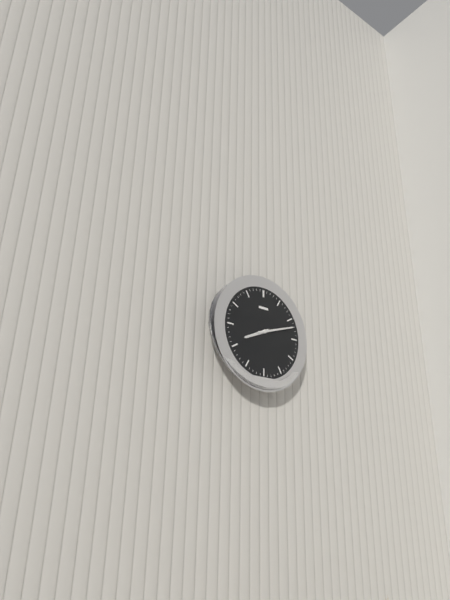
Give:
8h12
